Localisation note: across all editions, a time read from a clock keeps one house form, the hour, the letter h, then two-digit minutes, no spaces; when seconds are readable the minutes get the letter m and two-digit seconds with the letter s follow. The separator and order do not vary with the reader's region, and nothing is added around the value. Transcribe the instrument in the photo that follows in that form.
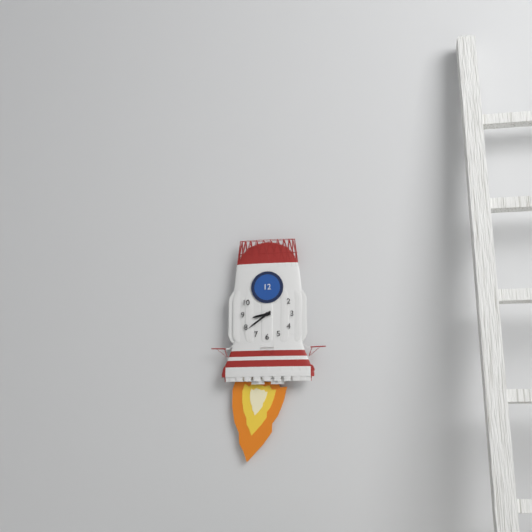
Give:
8h39
